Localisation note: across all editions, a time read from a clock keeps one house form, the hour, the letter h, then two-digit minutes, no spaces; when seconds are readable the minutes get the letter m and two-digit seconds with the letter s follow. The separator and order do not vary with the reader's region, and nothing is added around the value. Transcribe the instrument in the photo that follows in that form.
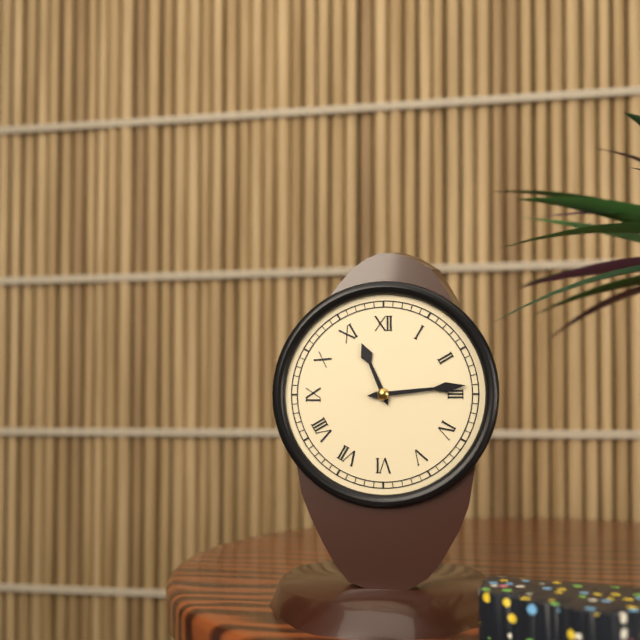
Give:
11h14
